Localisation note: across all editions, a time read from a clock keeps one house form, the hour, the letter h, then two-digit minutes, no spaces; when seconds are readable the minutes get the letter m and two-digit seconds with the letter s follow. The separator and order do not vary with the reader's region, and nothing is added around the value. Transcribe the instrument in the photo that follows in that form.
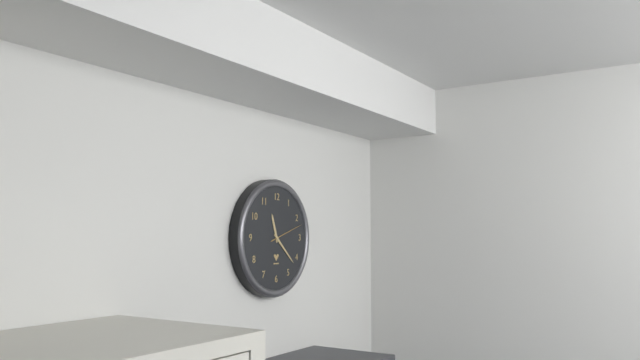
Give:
11h22
